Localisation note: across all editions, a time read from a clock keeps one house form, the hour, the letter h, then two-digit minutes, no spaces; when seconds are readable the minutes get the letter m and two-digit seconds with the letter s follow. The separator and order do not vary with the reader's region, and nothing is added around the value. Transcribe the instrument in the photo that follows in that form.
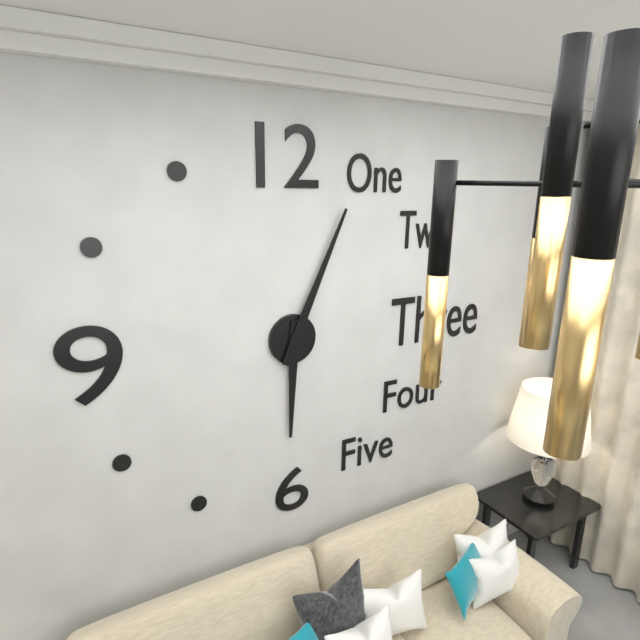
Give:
6h04
